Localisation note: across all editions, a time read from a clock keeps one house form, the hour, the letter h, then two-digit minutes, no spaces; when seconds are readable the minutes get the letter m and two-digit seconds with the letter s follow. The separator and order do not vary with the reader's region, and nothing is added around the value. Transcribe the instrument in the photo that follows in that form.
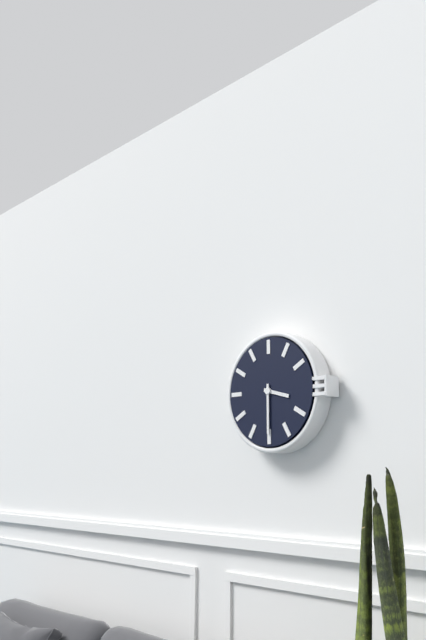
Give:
3h30
